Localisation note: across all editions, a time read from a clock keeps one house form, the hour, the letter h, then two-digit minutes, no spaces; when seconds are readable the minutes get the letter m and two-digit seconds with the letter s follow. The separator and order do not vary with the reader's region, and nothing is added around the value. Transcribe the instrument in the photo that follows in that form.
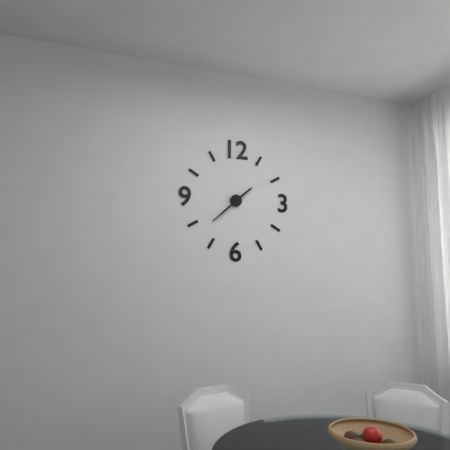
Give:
1h38
